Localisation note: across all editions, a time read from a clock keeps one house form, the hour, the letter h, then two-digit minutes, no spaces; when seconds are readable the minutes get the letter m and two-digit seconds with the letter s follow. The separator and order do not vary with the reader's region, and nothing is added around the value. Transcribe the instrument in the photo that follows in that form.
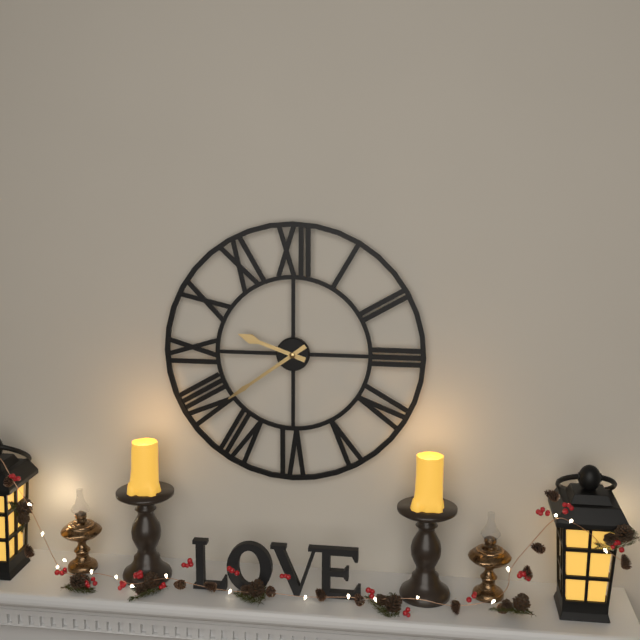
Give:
9h39
